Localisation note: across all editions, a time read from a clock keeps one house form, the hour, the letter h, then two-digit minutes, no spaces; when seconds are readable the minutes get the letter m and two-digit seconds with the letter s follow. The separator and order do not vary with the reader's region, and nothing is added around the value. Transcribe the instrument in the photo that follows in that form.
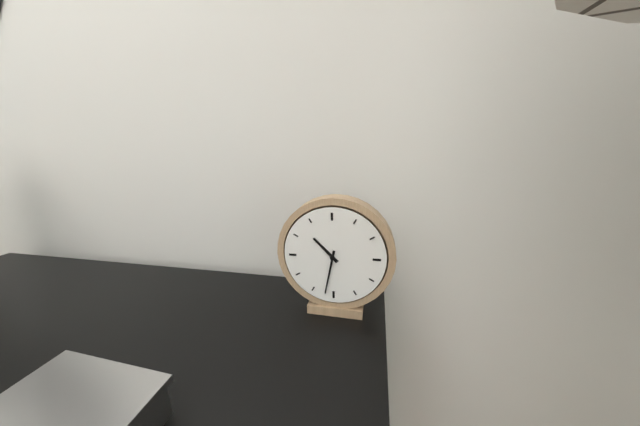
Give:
10h32
